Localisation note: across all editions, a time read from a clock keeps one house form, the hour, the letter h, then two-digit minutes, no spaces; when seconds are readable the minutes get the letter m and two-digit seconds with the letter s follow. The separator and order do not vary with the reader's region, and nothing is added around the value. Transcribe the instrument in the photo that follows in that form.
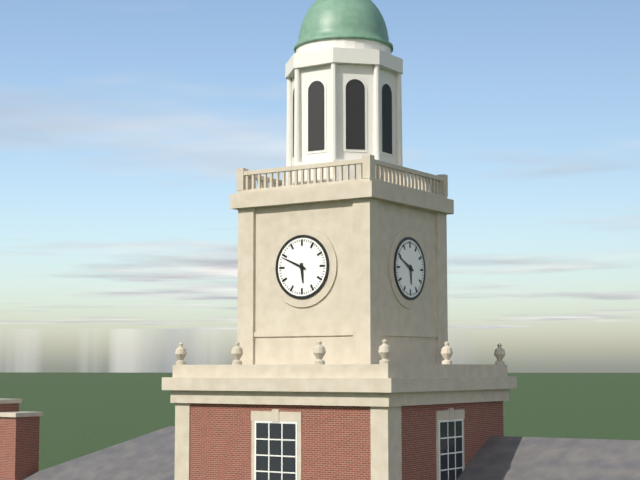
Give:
5h49
